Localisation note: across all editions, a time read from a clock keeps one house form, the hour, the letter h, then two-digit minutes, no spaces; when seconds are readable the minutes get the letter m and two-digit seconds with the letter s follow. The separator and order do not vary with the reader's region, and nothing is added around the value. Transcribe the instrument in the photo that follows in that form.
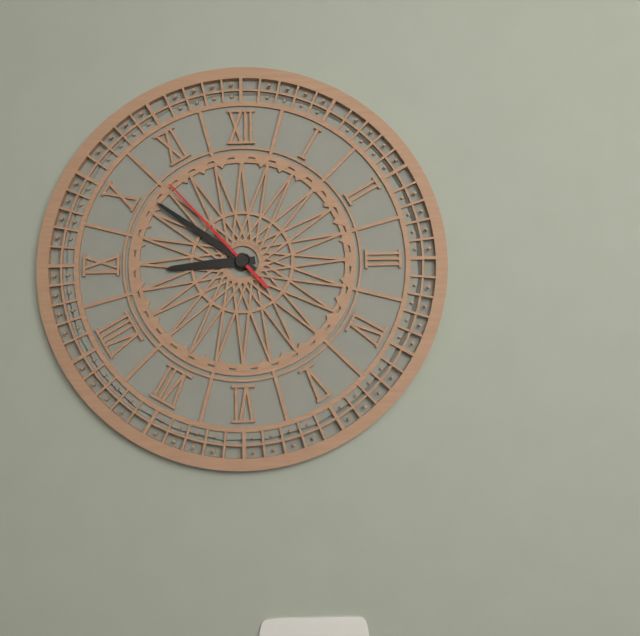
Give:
8h51m53s
